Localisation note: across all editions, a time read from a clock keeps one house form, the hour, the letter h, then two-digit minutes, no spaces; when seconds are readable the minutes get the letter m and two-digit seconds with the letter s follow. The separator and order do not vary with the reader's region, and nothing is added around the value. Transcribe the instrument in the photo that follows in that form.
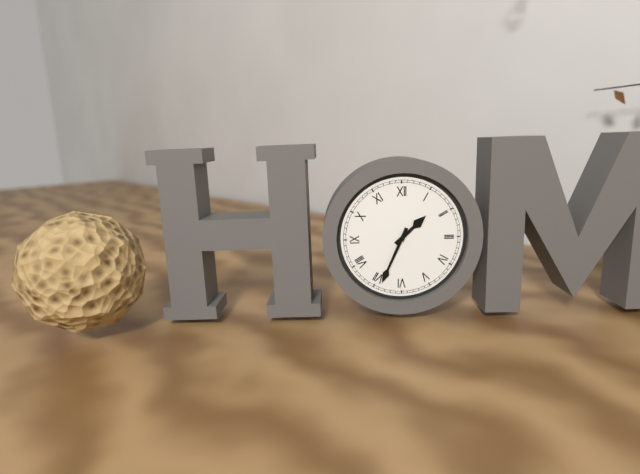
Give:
1h34
